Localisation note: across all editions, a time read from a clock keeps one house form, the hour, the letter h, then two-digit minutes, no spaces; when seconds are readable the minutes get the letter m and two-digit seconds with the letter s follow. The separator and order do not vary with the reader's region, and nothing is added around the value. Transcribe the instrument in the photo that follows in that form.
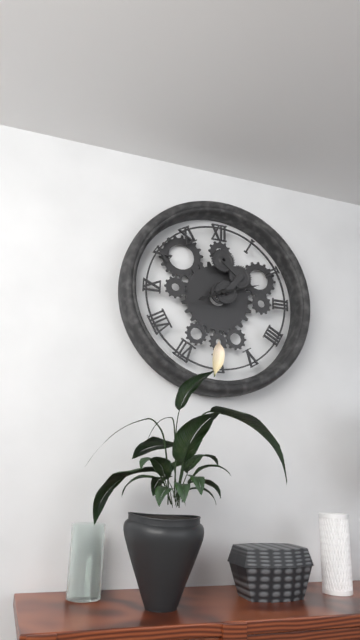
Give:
8h12
